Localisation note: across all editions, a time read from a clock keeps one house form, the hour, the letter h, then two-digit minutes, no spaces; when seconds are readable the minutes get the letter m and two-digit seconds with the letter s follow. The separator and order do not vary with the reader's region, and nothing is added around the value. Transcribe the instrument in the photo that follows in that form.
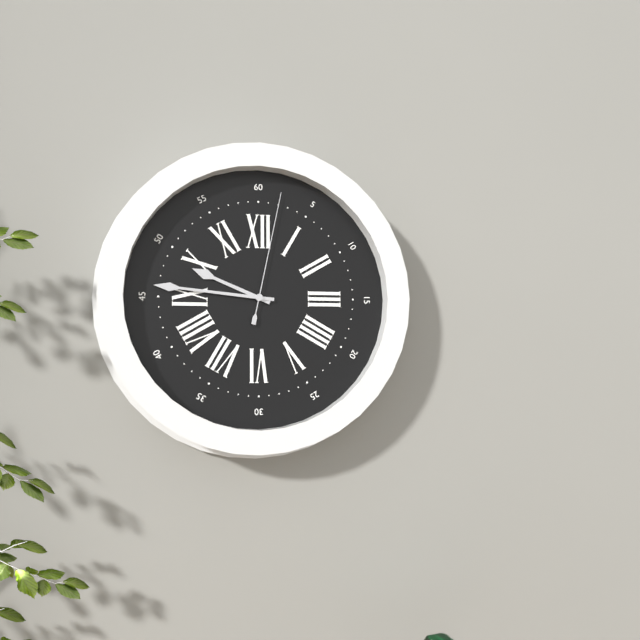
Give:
9h46m02s
